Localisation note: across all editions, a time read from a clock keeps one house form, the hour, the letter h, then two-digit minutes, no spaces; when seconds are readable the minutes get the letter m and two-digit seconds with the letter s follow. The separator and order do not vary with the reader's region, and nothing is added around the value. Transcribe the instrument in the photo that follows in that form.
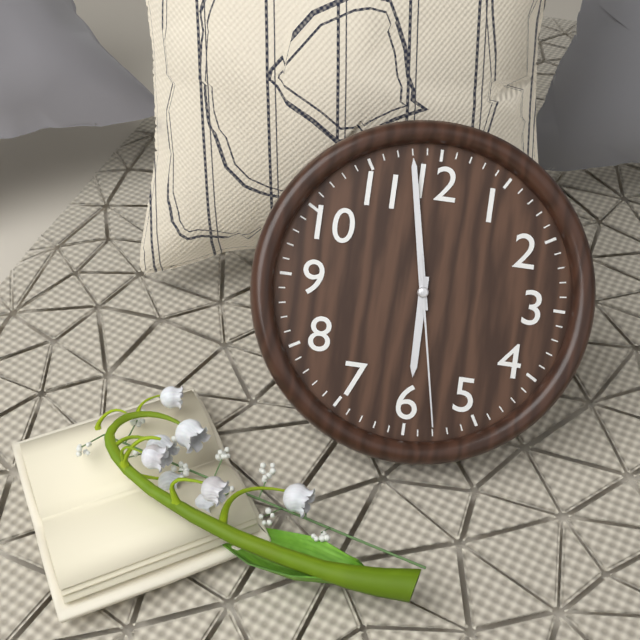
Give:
5h58m28s
